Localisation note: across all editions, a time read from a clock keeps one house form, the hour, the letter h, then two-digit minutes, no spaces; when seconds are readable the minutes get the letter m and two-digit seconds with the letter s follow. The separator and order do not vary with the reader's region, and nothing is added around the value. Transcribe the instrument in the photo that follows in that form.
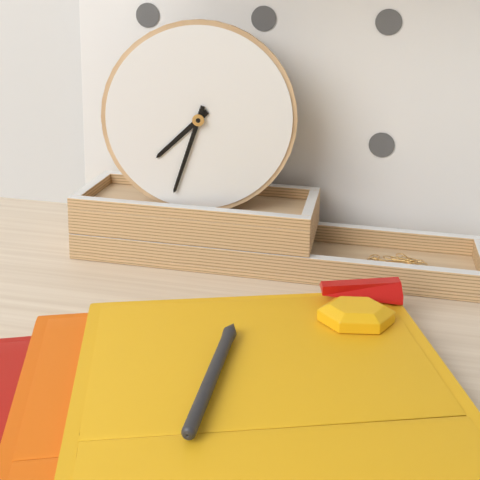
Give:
7h33
